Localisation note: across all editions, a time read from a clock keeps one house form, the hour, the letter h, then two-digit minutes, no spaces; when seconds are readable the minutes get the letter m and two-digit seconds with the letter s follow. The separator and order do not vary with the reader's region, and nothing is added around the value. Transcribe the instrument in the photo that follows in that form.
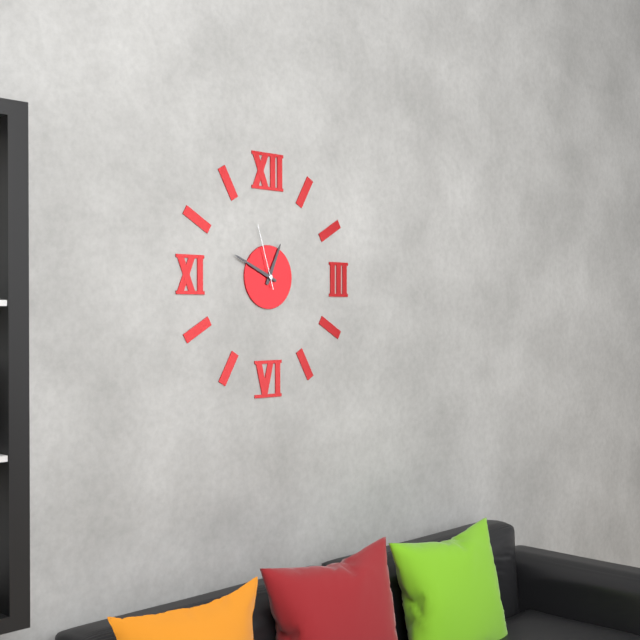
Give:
12h49m57s
